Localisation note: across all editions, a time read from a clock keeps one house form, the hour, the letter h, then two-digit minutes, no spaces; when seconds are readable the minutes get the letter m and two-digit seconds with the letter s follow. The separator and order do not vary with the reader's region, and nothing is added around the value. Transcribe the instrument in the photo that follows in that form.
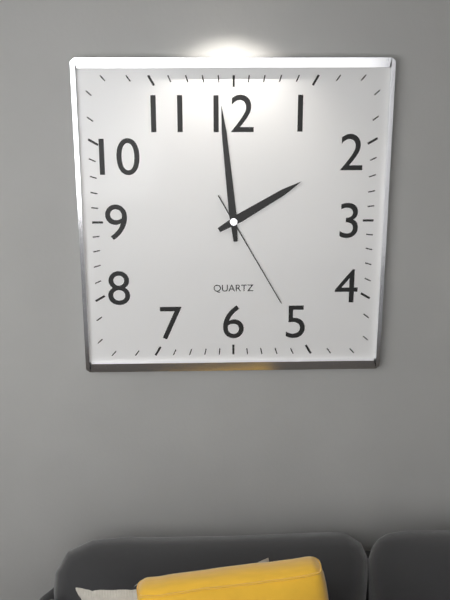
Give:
1h59m25s
